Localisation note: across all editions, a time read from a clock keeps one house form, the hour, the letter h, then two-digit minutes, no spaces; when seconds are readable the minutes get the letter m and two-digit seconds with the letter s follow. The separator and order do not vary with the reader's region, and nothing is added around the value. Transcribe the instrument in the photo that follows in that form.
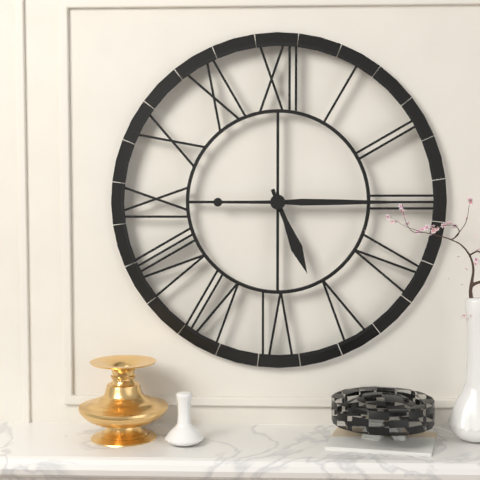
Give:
5h15
